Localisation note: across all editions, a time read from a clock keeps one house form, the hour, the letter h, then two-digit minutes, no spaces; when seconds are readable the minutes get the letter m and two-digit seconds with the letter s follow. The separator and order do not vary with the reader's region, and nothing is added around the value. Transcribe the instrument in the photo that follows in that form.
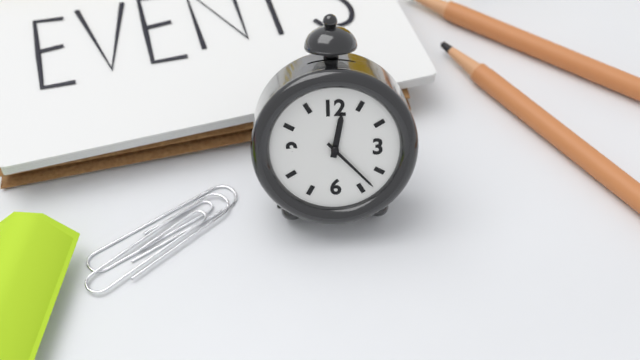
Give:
12h23
